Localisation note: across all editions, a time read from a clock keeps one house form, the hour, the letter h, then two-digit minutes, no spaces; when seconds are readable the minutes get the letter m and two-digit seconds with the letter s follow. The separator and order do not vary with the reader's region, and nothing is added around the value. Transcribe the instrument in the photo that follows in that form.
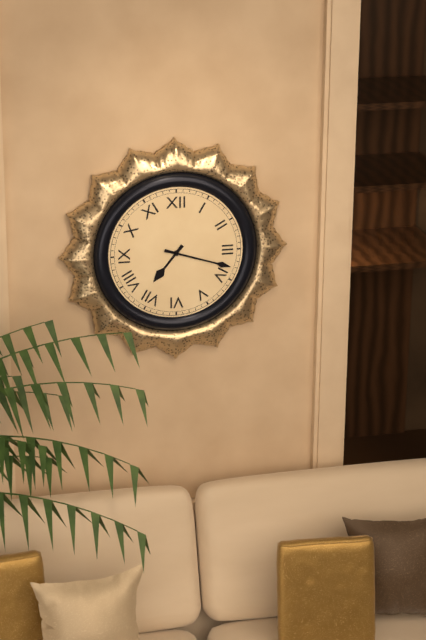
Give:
7h18
